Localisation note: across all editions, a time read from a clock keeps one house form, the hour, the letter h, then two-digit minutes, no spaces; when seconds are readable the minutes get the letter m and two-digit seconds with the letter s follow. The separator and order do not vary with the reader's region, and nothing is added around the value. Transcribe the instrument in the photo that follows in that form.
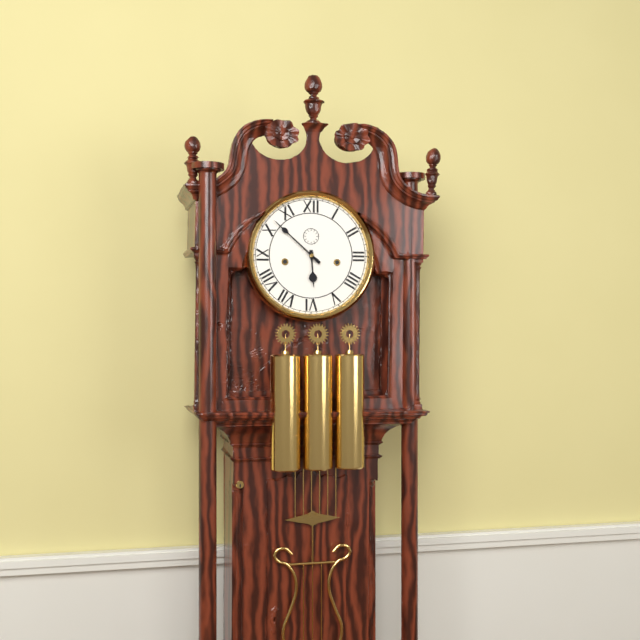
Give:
5h52
